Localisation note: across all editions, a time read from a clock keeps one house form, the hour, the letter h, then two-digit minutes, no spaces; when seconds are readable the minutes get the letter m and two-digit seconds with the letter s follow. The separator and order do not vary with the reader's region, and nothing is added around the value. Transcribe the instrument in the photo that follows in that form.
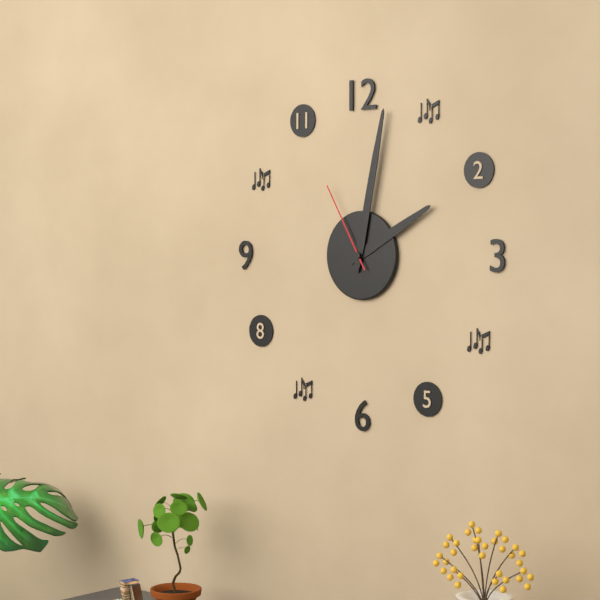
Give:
2h02m55s
